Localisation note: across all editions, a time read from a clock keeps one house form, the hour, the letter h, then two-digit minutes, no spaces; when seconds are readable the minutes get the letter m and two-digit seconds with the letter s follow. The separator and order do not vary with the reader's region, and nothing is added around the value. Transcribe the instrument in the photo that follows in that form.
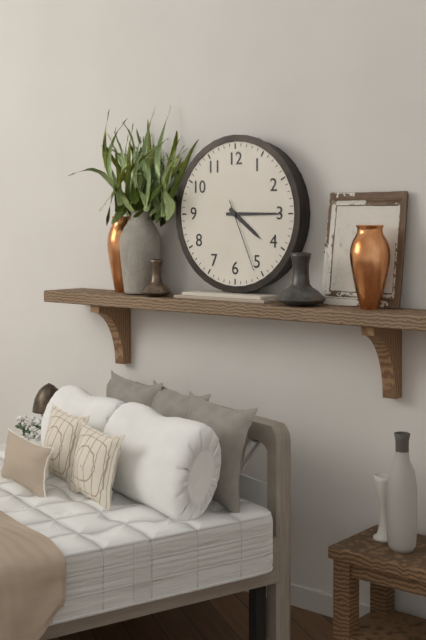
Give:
4h15m26s
